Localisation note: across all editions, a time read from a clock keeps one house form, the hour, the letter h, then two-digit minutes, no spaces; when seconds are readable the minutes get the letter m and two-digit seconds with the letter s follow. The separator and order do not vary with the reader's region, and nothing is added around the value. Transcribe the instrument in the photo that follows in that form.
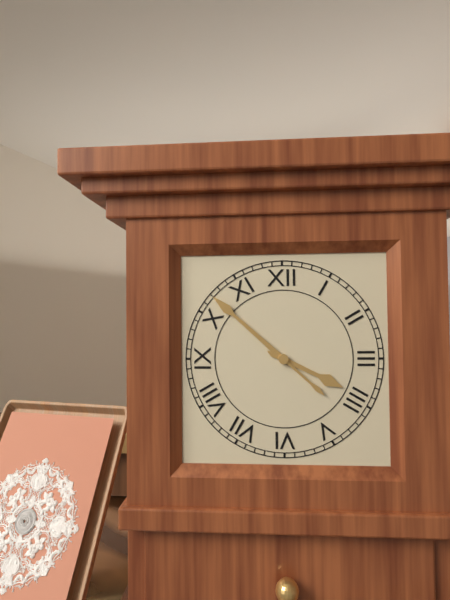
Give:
3h52
